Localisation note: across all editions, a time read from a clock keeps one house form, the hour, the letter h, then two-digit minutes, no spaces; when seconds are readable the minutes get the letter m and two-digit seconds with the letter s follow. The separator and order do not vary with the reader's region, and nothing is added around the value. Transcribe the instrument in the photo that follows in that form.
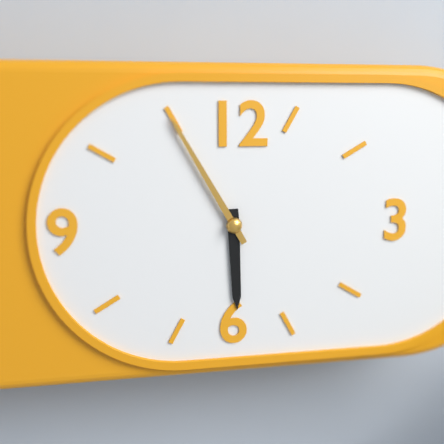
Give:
5h55
